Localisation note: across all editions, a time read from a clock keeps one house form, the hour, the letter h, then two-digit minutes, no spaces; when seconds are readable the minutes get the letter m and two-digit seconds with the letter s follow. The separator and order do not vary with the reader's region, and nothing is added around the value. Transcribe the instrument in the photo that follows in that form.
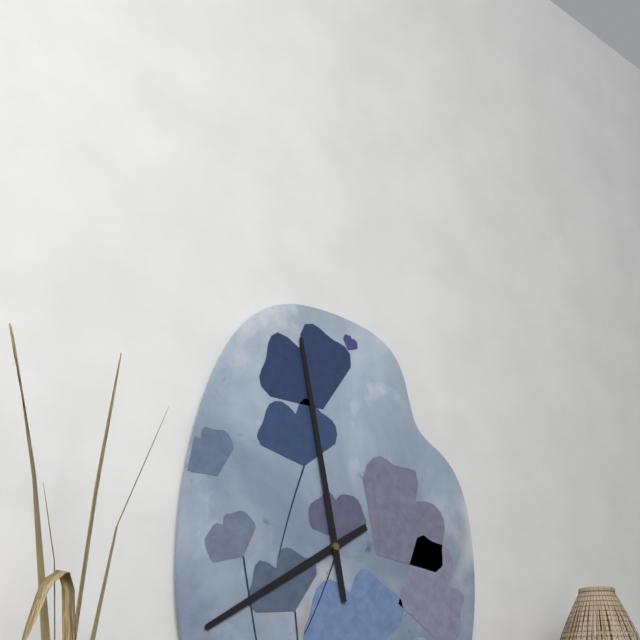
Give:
7h58
